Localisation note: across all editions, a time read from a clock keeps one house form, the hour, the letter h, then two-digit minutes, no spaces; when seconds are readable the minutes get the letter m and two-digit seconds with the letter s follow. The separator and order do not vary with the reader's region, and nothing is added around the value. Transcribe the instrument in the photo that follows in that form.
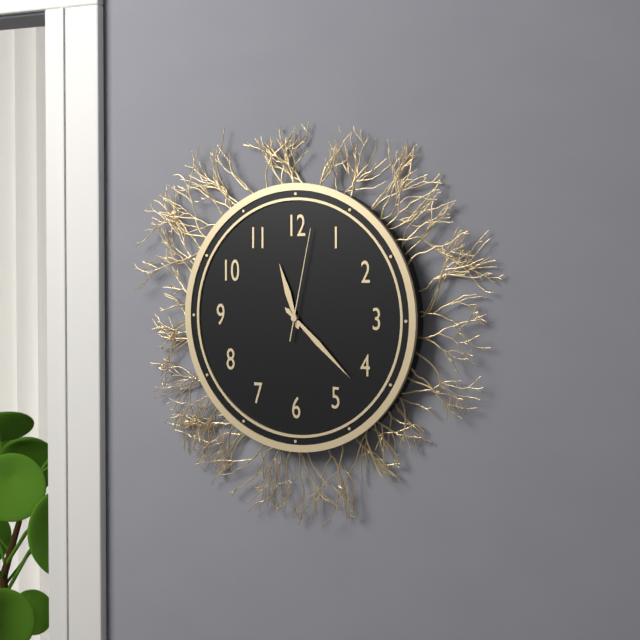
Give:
11h22m02s
